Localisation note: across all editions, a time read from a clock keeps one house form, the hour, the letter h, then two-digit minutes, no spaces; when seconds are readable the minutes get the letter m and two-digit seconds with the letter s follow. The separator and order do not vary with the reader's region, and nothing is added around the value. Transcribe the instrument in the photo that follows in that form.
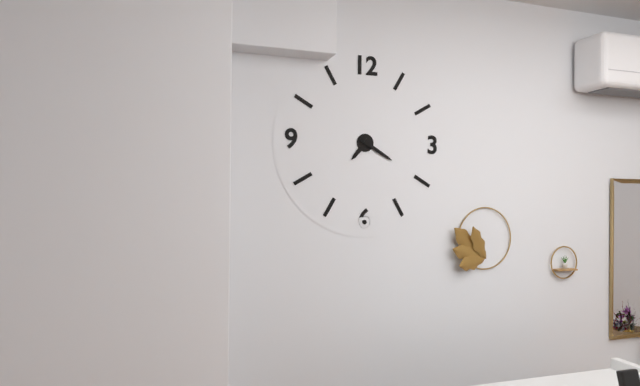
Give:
7h20
